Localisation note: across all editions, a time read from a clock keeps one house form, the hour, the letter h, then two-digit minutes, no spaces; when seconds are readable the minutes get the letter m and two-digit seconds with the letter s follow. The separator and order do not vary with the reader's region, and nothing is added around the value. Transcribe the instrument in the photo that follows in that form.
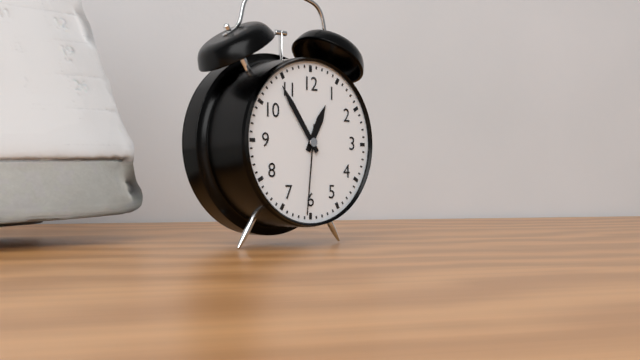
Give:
12h54m31s
